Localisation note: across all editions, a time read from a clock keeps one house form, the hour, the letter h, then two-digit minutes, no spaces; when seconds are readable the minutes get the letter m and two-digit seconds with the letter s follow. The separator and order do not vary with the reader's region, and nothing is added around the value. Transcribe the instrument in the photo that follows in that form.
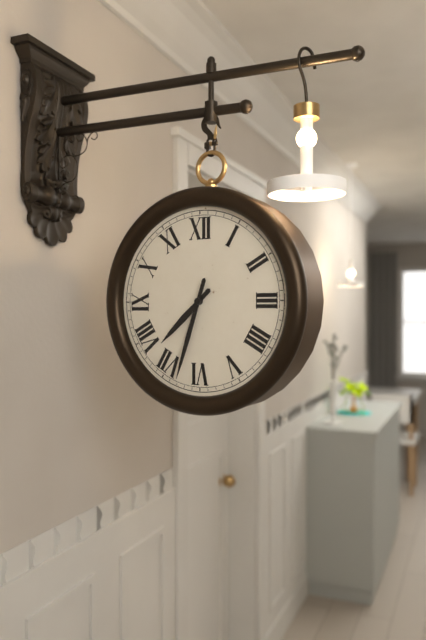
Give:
7h33
